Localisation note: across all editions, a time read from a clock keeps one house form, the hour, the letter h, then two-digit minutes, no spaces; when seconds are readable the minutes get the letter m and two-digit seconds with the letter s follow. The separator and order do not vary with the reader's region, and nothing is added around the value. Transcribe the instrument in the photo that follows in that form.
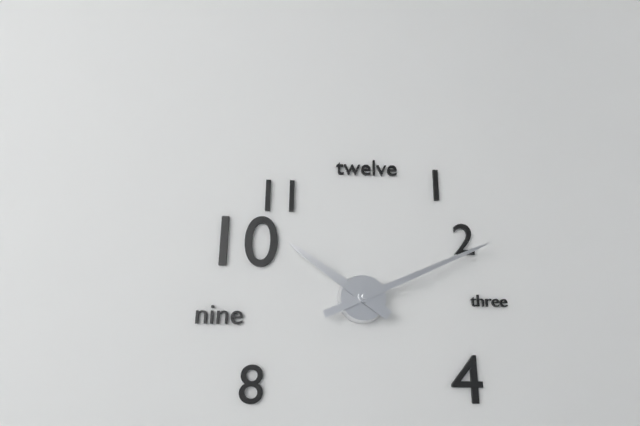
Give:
10h11
